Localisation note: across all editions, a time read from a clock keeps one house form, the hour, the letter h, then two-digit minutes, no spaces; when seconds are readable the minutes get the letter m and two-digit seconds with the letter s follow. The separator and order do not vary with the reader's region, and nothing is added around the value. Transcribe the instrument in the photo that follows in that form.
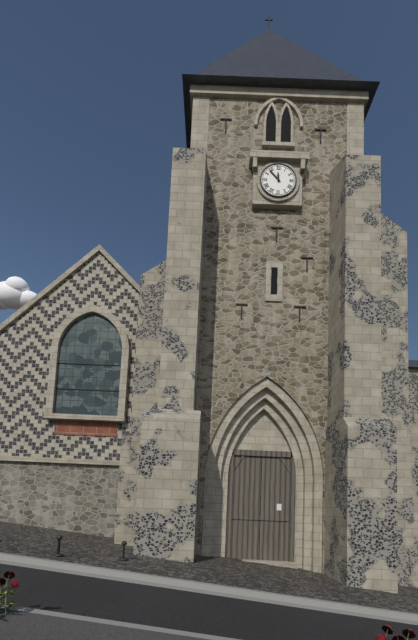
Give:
11h53
